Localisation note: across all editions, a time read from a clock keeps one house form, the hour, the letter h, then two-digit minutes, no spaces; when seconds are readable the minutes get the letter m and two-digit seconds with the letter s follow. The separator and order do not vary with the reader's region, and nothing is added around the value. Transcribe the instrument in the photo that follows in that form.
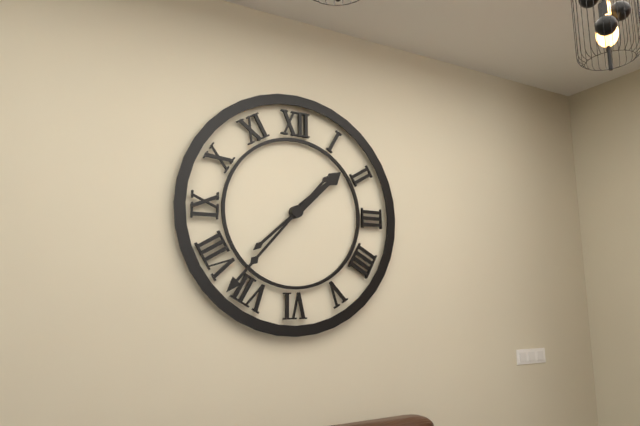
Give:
1h37
